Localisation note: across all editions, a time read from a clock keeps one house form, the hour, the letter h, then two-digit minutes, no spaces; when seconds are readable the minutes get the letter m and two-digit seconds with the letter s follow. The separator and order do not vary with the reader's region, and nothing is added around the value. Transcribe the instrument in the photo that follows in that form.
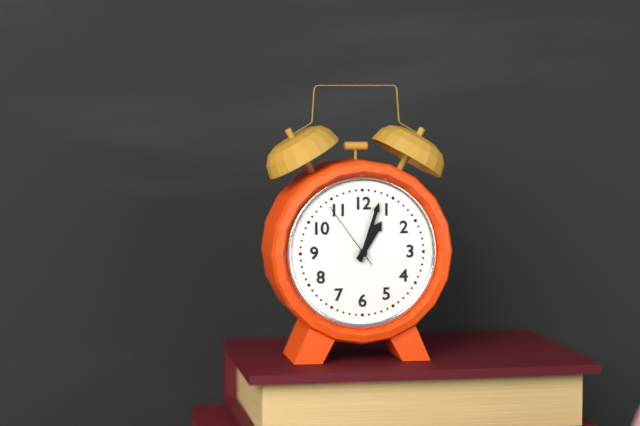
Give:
1h03m54s
